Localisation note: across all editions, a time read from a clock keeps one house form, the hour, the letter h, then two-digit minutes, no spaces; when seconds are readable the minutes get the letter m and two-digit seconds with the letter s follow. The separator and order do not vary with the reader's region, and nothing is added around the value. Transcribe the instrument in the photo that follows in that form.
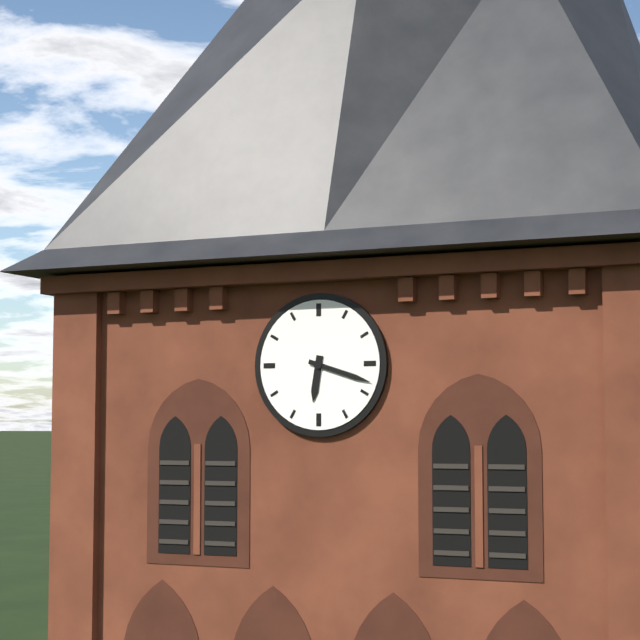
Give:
6h18
